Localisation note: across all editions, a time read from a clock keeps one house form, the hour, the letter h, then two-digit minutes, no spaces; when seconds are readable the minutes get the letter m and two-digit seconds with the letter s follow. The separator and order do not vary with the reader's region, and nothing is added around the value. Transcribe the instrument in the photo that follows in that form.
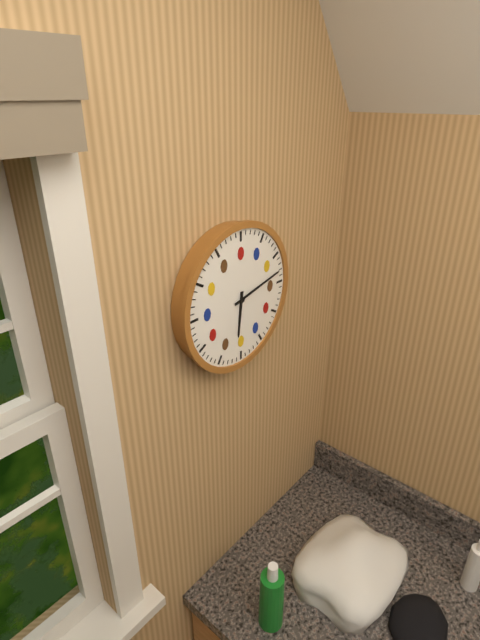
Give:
6h13
